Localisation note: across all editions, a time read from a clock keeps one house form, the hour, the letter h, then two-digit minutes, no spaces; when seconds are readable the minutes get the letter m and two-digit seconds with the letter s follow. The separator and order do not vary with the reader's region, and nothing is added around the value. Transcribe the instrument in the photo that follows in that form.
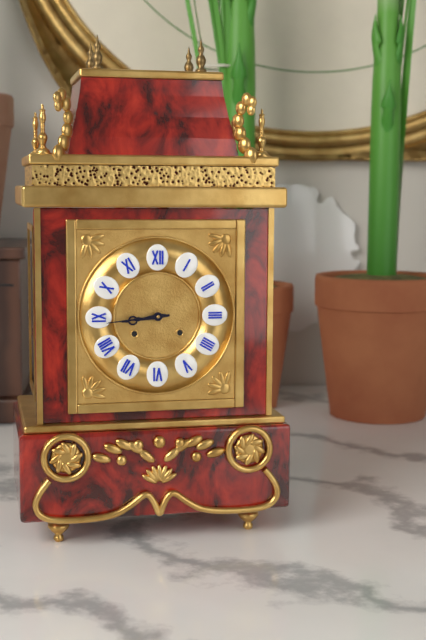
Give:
8h44
